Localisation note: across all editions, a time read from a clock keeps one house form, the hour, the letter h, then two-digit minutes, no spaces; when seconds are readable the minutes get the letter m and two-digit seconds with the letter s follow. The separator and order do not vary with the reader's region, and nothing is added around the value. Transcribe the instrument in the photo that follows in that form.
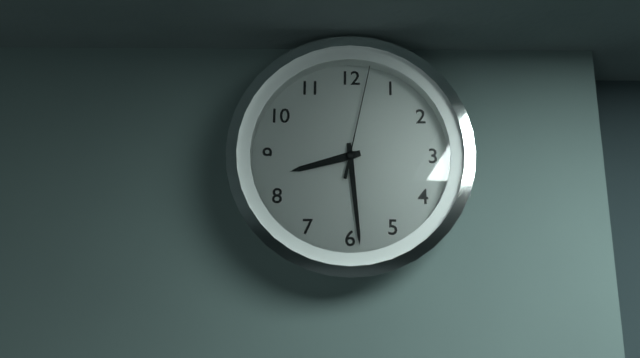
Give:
8h29m02s
